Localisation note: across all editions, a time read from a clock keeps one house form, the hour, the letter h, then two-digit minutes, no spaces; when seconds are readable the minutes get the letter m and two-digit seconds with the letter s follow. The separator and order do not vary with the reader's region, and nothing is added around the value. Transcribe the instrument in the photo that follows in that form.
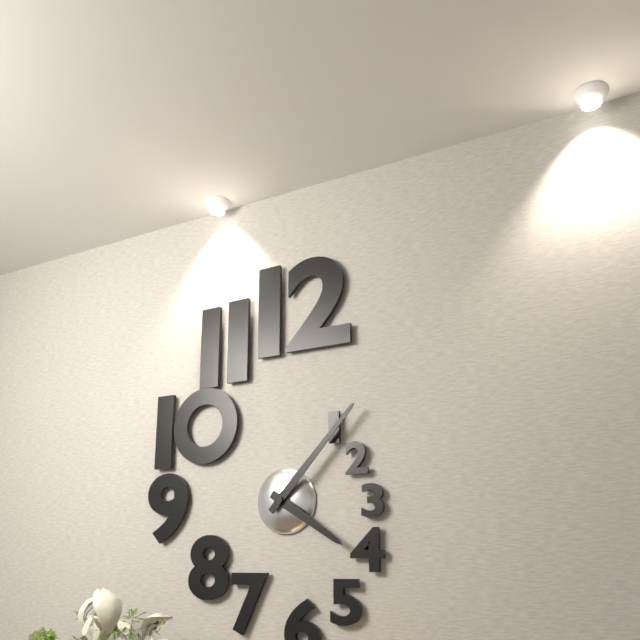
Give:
4h07
